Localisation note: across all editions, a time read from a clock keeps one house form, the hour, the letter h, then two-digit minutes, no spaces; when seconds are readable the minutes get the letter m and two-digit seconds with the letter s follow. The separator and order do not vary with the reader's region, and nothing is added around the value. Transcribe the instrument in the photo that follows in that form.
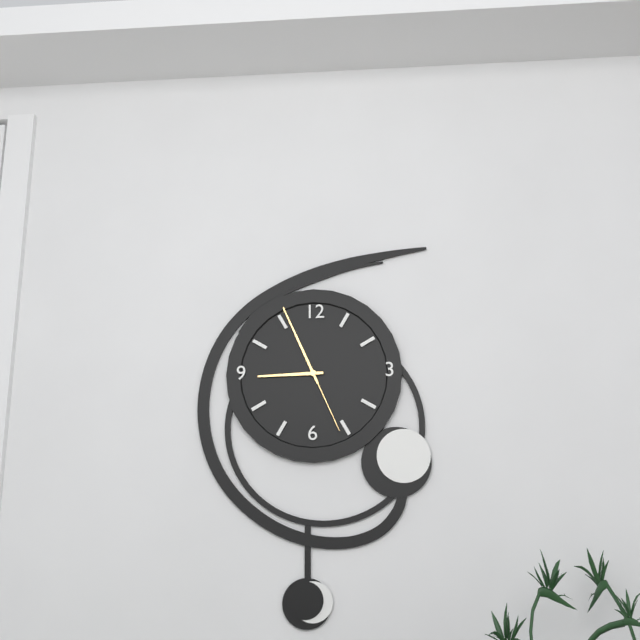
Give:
8h56m26s
